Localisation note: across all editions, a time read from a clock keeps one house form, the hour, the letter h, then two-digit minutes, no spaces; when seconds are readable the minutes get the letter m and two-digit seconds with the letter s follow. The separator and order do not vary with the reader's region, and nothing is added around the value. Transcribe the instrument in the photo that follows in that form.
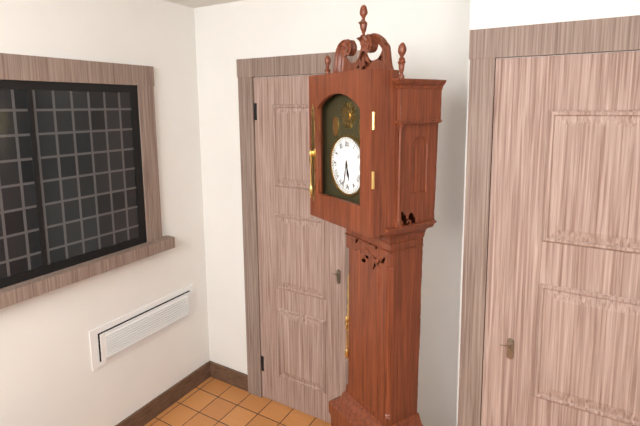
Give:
5h32
